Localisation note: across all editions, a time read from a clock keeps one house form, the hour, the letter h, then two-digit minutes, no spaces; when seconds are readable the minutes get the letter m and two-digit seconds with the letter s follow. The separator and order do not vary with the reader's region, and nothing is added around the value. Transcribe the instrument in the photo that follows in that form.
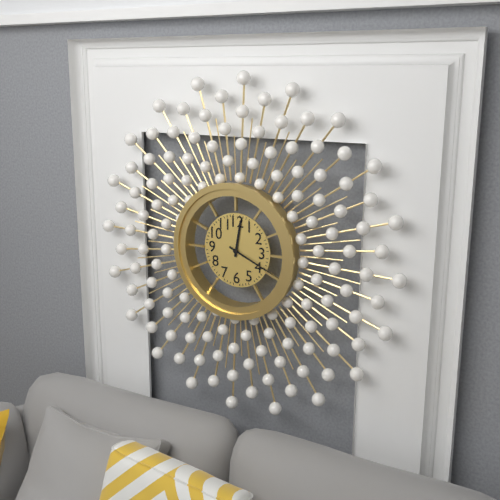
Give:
12h19
